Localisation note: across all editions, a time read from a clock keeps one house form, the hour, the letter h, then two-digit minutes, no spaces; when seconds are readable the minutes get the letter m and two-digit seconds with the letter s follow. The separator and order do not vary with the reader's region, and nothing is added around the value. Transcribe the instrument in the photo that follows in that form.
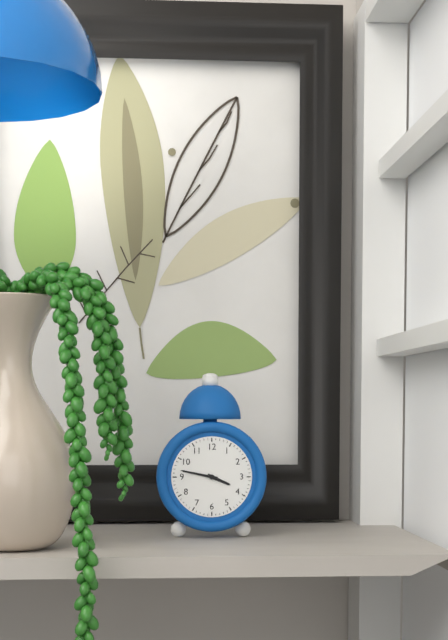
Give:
3h47
